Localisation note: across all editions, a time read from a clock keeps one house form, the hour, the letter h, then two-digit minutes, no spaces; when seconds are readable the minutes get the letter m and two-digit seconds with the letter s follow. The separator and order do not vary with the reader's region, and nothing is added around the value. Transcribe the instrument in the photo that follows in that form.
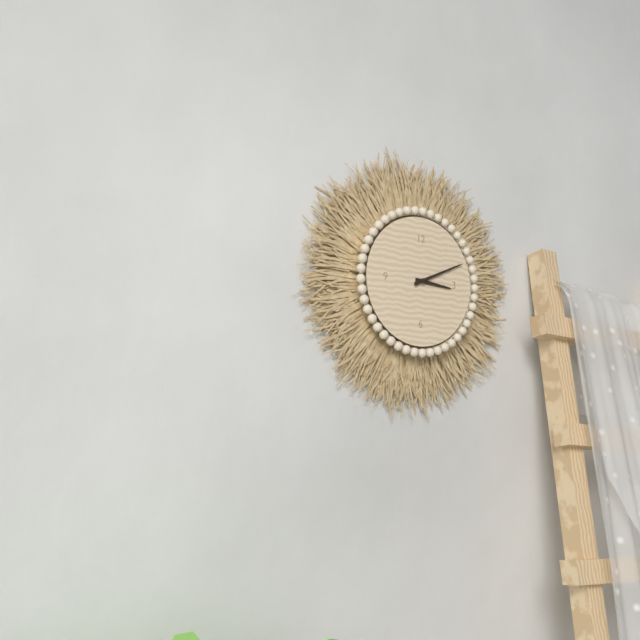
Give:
3h11
